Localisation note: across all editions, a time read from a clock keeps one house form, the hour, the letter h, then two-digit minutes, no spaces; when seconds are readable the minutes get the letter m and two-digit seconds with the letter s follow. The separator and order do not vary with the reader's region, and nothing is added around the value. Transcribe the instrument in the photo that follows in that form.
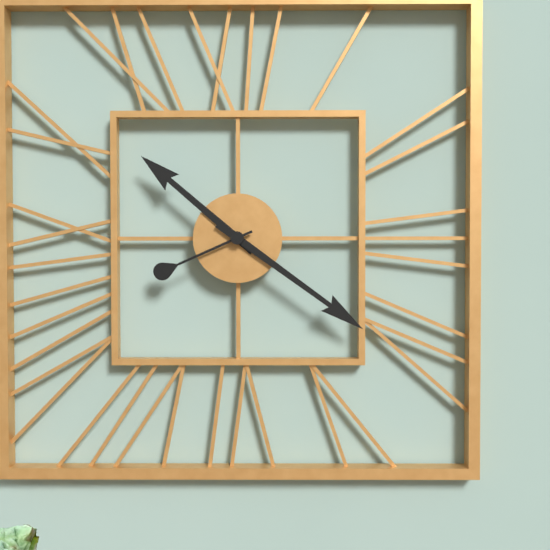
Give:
10h21m41s
